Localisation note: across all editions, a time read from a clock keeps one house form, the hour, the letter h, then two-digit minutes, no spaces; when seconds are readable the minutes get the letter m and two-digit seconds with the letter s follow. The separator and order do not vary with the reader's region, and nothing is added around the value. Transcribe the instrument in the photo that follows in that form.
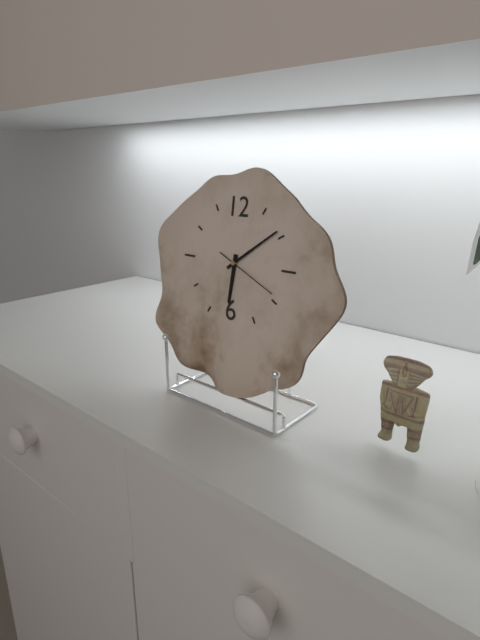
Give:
6h09m19s
